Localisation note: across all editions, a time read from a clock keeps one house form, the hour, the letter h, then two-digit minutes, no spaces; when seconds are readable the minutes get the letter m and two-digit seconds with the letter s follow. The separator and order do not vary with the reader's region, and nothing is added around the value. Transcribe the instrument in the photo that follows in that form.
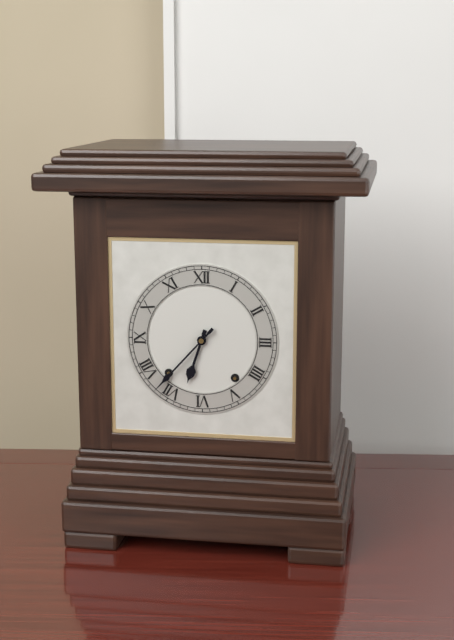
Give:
6h37
